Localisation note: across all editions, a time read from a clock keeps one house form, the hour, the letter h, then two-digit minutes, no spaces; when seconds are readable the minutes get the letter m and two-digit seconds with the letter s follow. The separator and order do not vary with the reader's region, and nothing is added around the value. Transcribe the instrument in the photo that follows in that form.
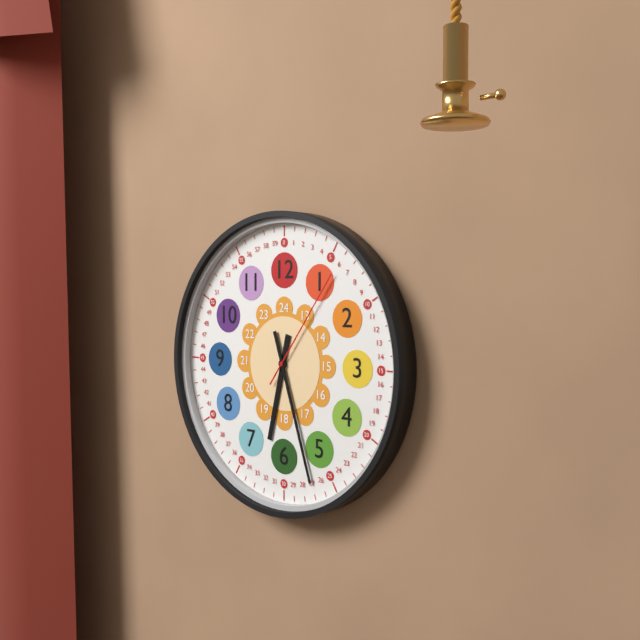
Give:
6h27m06s
